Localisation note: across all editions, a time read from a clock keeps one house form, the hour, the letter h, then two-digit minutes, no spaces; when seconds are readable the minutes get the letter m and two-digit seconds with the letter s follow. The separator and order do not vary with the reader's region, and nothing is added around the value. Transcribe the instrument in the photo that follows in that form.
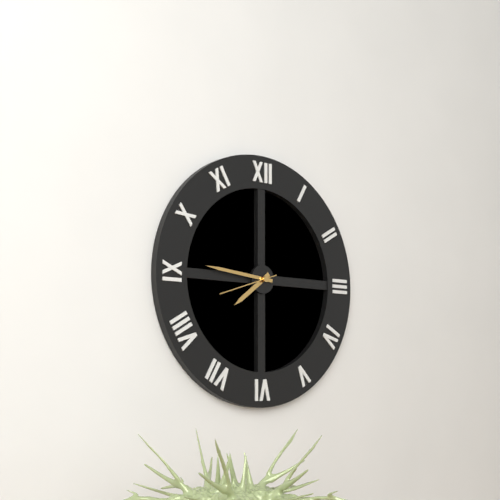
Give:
7h46
